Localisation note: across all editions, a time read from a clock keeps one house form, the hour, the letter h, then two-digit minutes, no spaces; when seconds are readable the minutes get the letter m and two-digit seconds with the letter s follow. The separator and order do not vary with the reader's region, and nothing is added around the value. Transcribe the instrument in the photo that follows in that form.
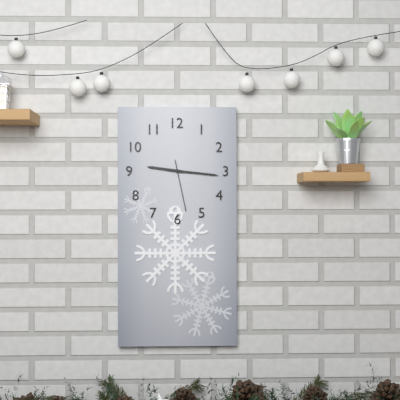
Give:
9h16m28s
